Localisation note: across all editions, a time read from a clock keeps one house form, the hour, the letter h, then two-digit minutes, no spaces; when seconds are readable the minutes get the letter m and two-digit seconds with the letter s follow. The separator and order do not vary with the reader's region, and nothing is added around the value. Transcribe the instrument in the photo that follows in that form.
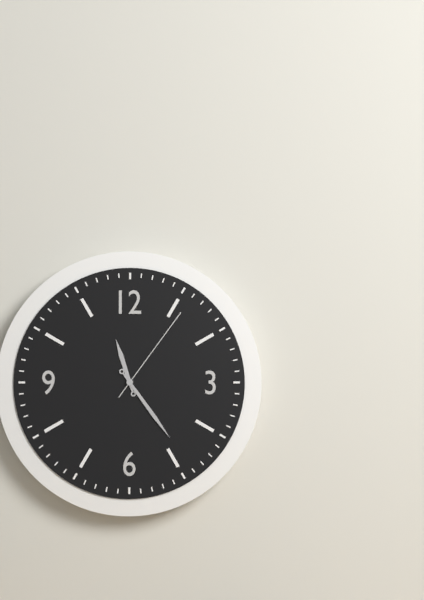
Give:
11h24m06s
